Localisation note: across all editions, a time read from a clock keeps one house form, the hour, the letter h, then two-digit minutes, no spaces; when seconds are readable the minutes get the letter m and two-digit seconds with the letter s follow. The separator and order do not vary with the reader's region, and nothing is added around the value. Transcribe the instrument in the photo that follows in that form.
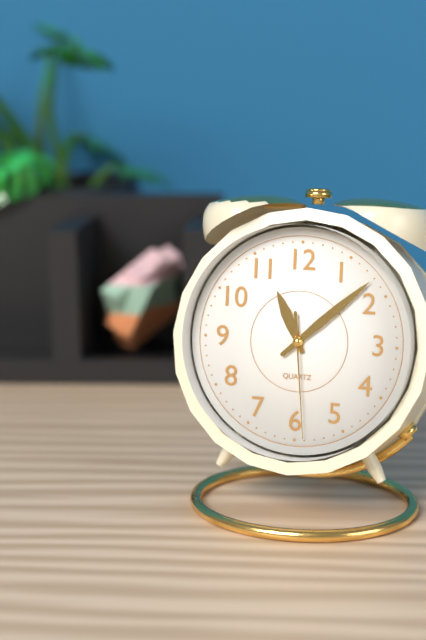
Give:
11h08m29s
